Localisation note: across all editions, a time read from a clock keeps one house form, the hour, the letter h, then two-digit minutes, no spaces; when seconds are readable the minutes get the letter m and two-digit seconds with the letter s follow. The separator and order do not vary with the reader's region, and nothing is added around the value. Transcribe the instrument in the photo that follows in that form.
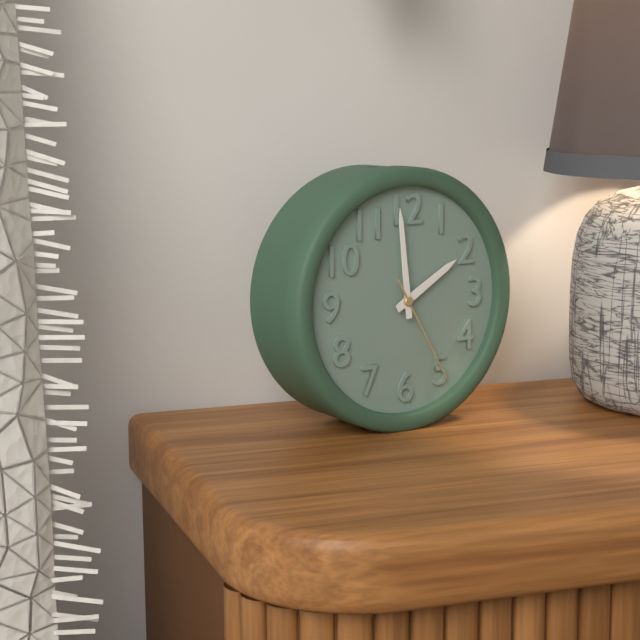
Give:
1h59m25s
